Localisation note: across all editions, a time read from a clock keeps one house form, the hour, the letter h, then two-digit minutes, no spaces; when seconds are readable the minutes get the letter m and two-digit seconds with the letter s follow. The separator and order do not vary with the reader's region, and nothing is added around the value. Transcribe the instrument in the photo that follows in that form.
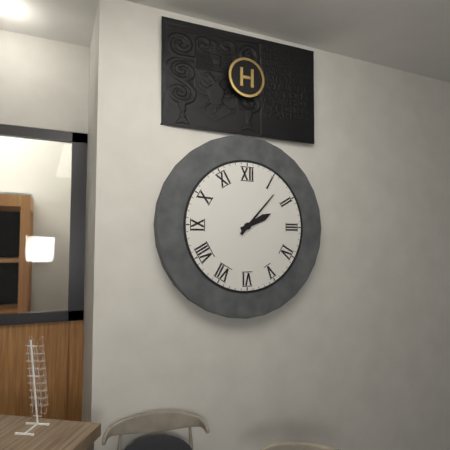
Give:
2h07
